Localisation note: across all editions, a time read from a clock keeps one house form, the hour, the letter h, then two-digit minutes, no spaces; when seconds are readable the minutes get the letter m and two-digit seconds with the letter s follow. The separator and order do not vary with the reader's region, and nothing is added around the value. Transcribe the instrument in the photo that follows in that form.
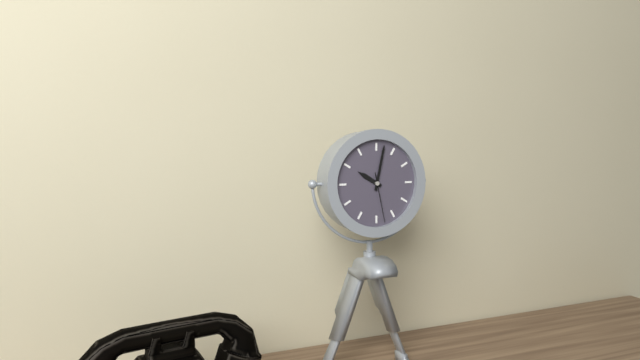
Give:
10h02
